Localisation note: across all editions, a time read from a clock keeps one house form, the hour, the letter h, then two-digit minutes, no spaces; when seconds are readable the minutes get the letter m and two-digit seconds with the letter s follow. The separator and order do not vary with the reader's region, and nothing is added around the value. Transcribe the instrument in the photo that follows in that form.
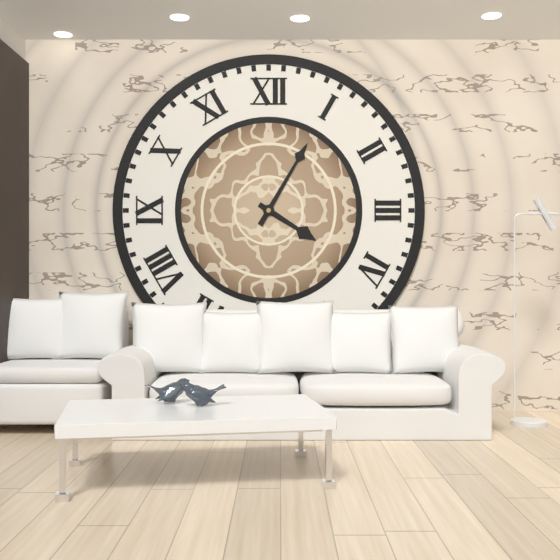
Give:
4h05
